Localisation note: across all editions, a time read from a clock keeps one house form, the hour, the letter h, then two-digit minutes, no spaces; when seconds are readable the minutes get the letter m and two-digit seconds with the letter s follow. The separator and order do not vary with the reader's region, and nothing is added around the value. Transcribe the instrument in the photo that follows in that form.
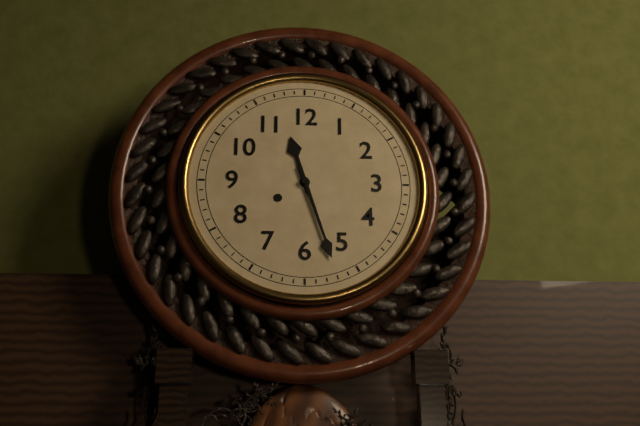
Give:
11h27
